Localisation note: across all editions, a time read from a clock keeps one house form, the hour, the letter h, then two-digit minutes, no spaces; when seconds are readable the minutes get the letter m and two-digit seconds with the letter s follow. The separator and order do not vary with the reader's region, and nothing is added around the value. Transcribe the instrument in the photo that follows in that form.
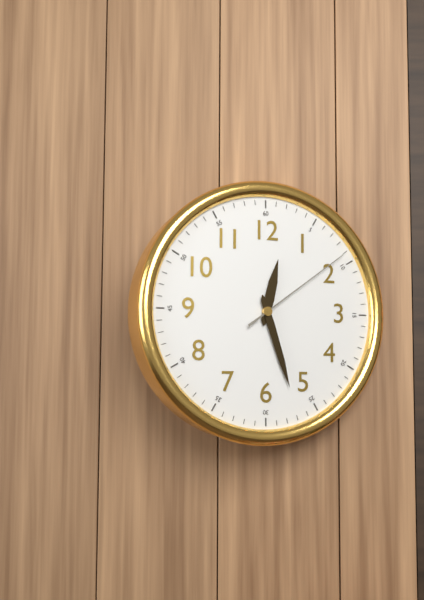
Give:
12h27m09s
